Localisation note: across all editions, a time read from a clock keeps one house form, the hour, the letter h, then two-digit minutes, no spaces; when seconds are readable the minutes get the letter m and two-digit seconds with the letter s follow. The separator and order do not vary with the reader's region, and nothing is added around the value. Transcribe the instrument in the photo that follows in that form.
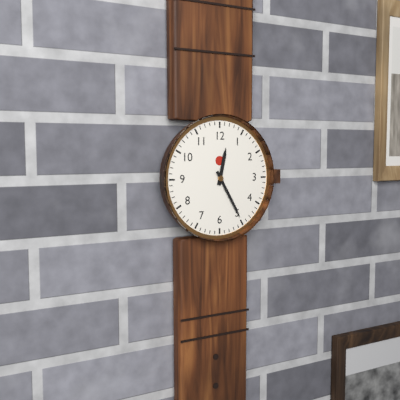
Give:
12h25
